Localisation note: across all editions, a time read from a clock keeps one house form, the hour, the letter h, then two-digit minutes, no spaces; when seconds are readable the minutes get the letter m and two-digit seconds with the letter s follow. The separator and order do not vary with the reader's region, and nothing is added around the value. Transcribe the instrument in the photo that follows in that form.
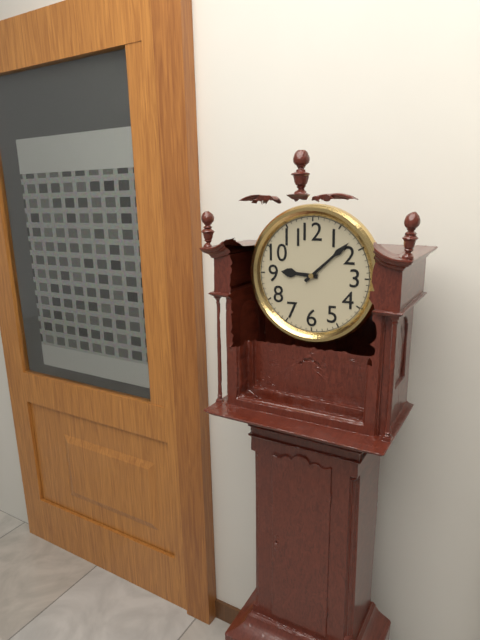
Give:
9h08
